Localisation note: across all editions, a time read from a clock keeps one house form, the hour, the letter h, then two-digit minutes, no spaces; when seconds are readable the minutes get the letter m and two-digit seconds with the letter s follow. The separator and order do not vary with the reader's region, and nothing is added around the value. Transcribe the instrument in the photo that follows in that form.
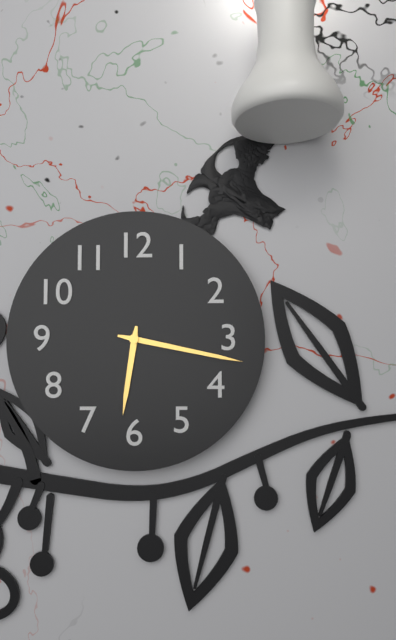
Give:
6h17
